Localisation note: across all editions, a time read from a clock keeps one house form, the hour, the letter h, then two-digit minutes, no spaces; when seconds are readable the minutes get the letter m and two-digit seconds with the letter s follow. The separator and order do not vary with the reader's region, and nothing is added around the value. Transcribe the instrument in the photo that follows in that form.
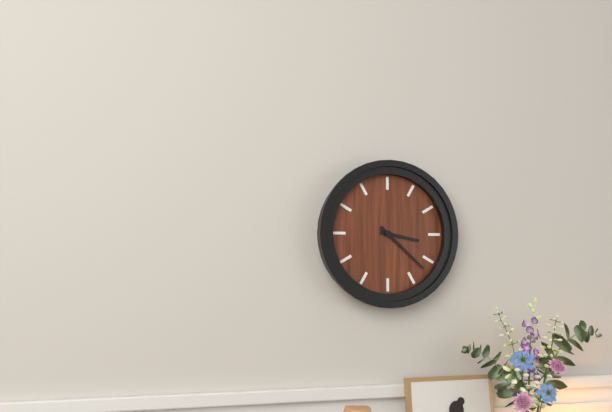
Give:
3h22
